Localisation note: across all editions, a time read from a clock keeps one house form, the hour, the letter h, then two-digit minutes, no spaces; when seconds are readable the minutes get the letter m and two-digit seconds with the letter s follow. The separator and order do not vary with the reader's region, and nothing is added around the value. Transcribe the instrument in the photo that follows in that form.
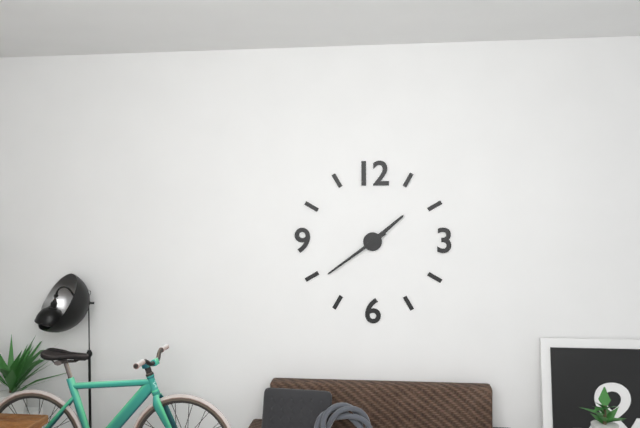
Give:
1h39
